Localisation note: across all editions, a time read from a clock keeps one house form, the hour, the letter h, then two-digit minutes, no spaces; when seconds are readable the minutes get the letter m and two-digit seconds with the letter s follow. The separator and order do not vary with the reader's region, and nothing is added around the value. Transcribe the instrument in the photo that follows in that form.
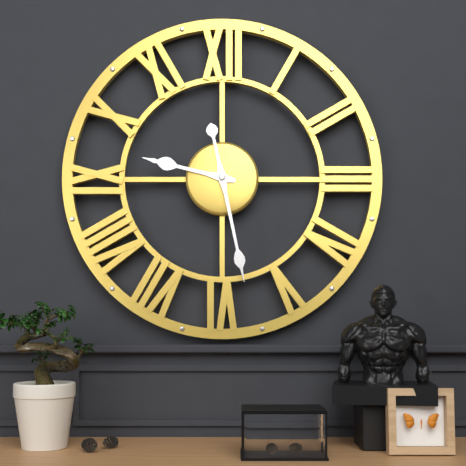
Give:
9h28
